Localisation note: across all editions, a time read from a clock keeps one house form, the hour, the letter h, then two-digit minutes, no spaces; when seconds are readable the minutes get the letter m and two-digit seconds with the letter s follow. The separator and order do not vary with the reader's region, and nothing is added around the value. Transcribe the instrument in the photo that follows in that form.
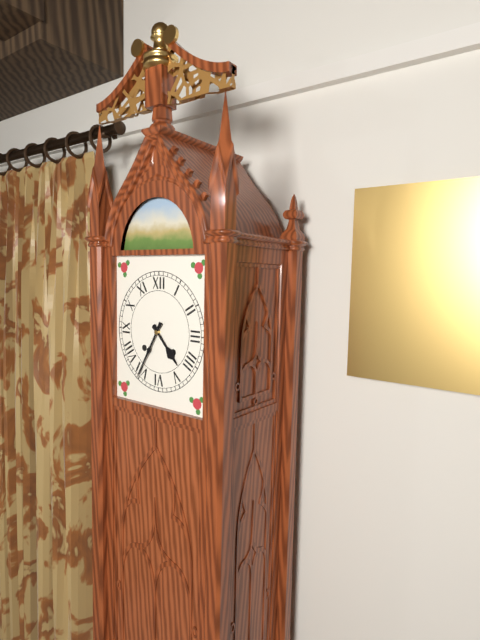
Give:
4h35
